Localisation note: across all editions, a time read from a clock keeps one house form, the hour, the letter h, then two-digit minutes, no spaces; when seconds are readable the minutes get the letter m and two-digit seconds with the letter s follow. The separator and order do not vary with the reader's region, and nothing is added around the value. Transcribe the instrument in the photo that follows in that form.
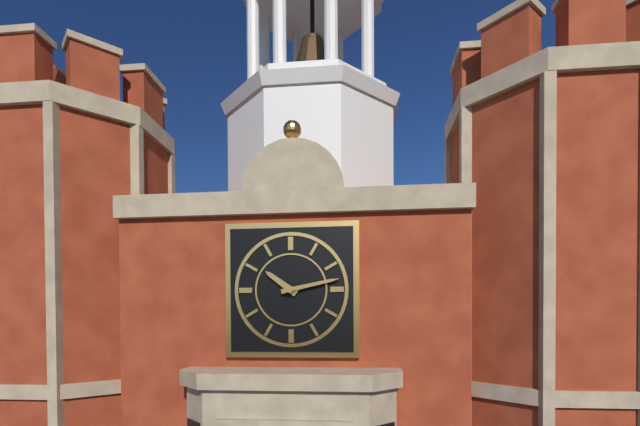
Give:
10h13
